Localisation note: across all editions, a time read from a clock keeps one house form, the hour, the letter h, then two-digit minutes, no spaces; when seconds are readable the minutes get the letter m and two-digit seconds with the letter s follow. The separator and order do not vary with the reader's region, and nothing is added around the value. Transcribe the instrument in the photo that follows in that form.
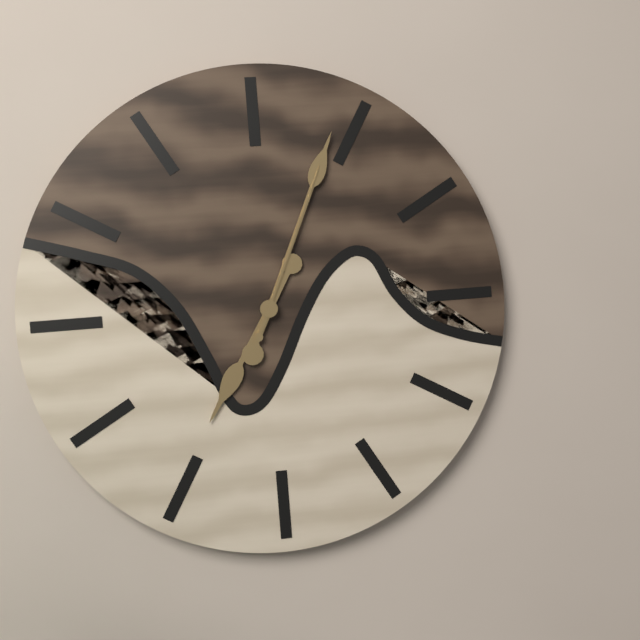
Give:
7h04m04s
